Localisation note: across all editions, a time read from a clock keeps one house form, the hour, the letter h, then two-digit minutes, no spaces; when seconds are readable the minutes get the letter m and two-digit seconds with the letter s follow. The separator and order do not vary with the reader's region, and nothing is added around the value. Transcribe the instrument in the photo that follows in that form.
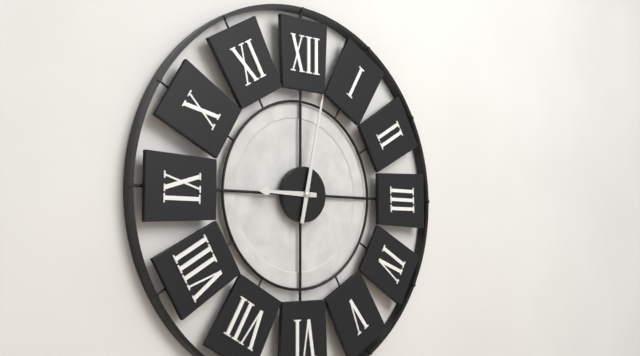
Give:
9h02
